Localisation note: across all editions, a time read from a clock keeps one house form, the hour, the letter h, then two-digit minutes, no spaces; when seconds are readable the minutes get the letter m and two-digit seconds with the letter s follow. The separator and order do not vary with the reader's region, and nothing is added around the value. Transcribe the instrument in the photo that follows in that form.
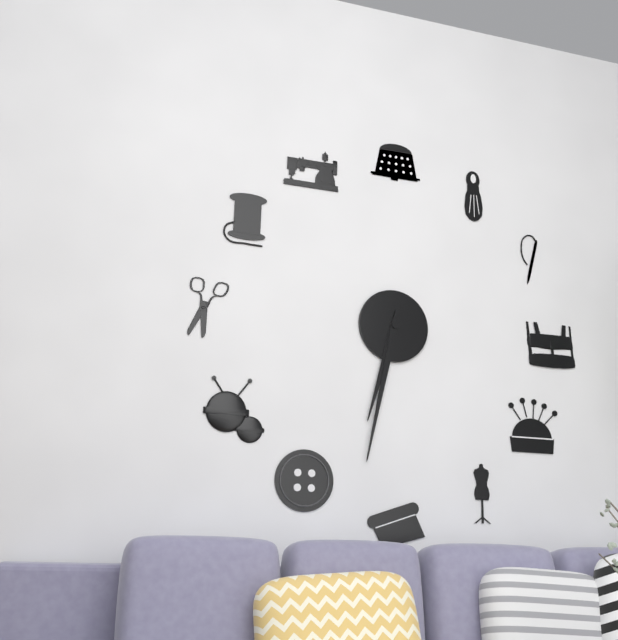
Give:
6h32
